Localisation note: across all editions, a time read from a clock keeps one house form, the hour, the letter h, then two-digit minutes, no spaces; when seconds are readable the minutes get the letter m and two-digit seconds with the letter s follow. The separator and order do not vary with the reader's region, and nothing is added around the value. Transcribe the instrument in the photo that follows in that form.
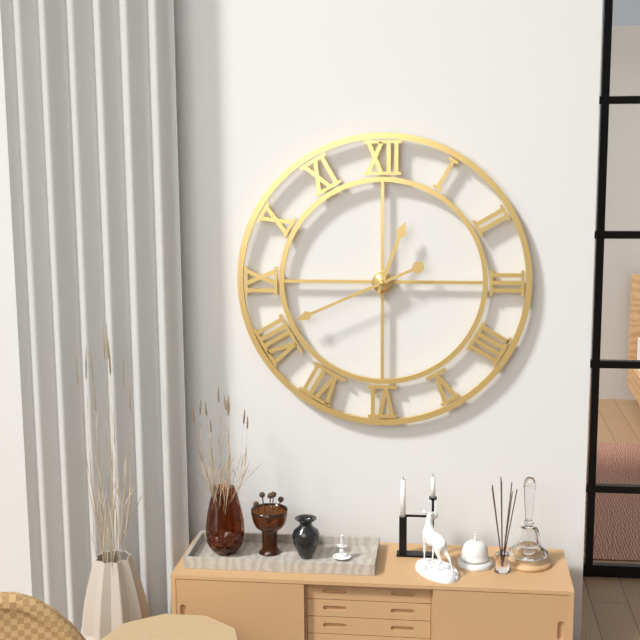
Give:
12h41
